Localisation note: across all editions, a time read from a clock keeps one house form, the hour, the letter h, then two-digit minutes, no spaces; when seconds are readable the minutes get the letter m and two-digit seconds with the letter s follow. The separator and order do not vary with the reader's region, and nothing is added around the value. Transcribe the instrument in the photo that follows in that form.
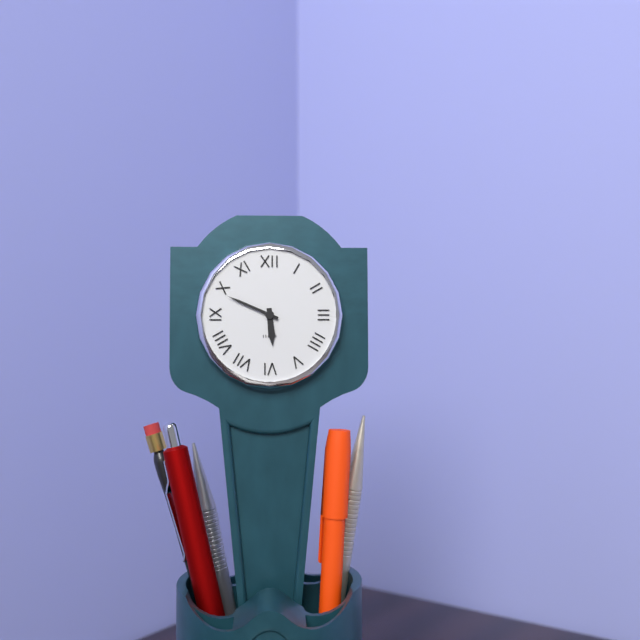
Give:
5h49
